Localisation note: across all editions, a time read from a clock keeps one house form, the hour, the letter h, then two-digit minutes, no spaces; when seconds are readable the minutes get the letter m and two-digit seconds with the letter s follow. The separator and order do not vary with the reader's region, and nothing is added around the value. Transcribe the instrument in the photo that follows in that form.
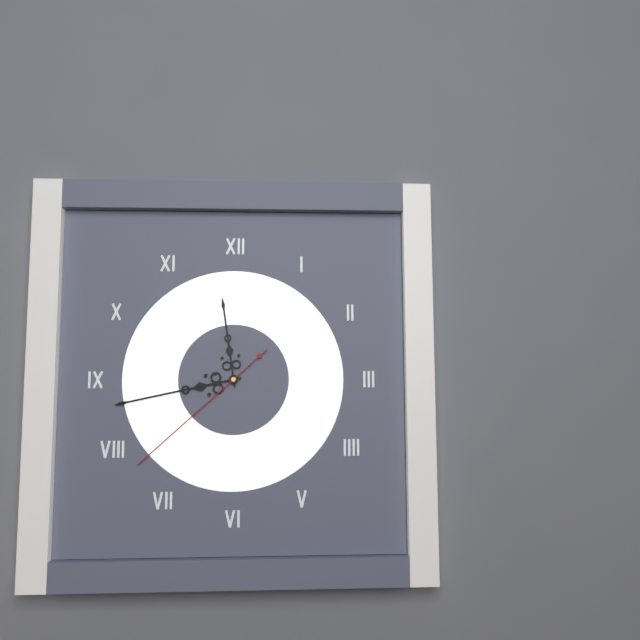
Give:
11h43m38s
